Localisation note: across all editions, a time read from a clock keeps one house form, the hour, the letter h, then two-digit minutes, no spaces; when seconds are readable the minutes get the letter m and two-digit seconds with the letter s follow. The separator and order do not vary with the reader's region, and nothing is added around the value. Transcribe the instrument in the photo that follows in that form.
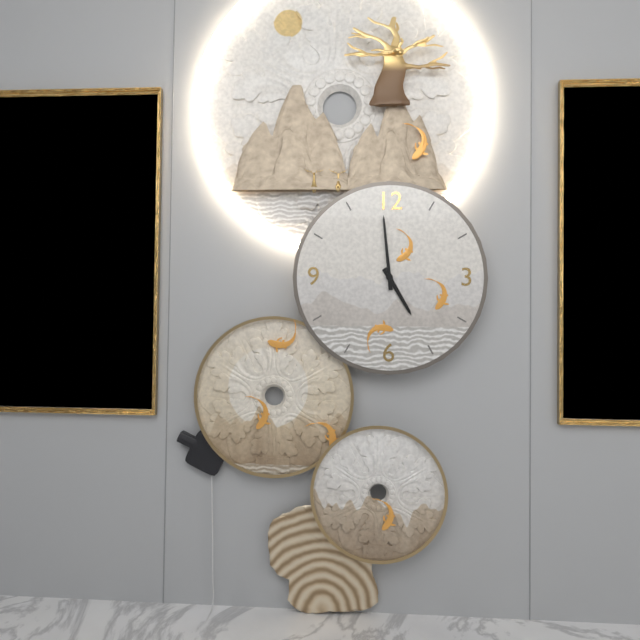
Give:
4h59
